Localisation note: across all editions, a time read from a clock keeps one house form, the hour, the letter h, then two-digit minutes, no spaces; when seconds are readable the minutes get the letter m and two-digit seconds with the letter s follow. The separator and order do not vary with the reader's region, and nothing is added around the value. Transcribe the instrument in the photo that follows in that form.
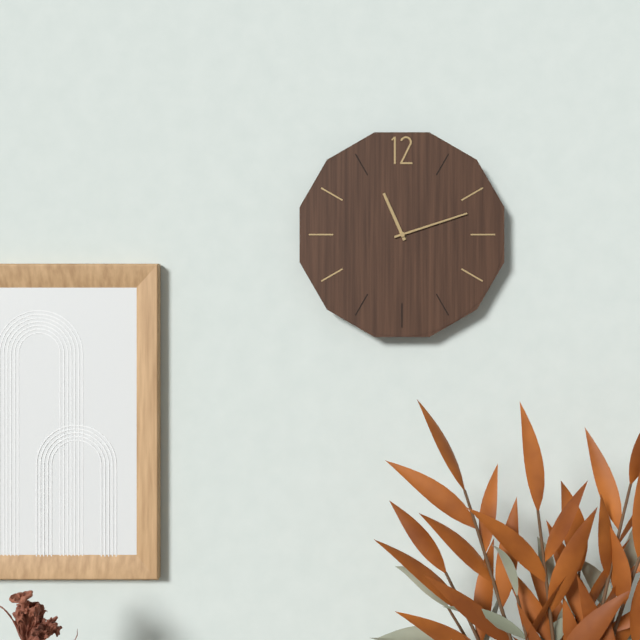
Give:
11h12
